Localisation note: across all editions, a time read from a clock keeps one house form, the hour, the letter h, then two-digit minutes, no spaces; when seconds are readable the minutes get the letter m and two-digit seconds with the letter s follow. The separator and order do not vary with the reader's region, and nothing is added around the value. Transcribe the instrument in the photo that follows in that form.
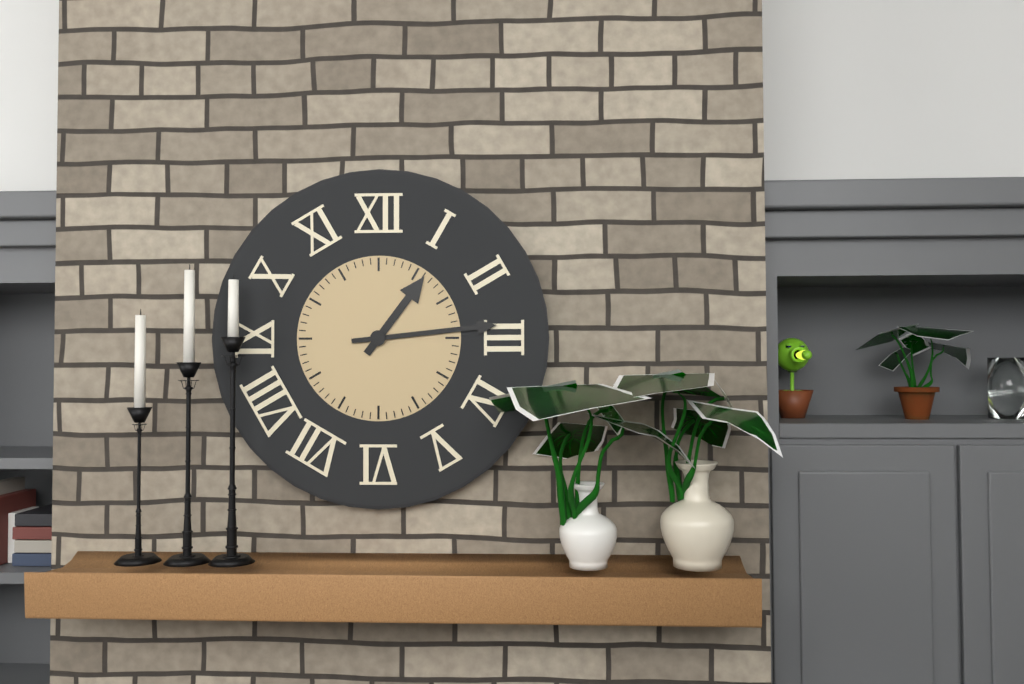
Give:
1h14
